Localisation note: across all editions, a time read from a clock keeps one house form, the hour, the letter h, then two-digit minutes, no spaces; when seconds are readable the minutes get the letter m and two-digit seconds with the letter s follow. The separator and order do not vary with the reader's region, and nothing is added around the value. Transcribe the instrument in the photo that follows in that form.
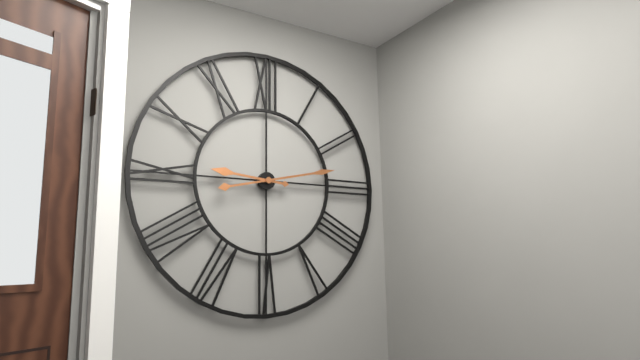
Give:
9h13
